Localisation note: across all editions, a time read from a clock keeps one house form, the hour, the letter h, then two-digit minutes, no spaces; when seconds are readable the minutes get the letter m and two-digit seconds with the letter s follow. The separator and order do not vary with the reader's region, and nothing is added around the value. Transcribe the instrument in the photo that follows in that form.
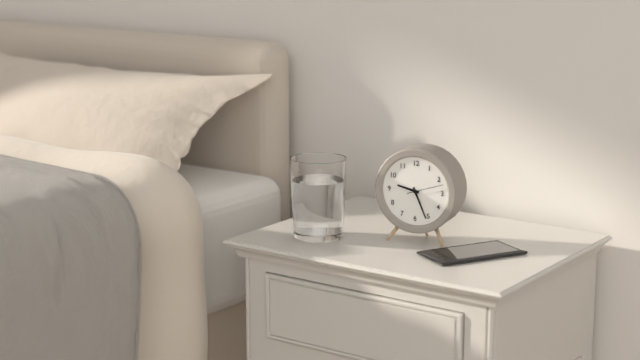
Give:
9h26
